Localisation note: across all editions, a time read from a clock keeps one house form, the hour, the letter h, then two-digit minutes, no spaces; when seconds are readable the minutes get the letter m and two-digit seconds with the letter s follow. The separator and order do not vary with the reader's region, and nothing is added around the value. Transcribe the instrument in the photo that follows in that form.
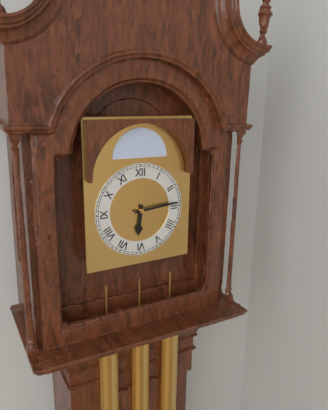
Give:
6h14
